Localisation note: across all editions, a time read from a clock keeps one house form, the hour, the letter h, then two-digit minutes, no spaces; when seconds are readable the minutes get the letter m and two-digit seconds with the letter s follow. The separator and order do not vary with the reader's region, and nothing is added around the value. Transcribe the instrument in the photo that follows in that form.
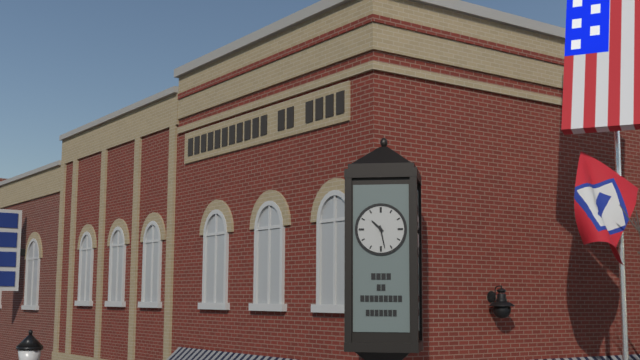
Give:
10h28
